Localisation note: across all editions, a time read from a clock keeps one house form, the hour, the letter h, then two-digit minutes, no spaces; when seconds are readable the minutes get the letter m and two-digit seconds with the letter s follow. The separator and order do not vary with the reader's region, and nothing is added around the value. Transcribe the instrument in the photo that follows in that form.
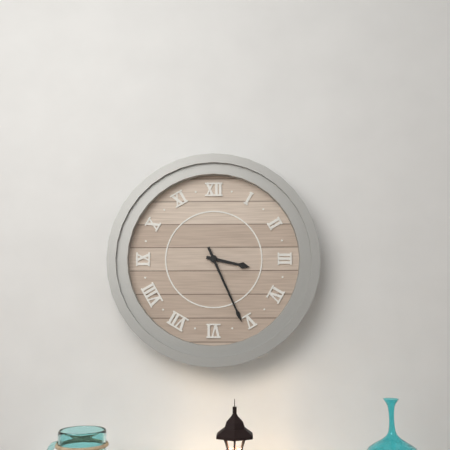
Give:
3h26
